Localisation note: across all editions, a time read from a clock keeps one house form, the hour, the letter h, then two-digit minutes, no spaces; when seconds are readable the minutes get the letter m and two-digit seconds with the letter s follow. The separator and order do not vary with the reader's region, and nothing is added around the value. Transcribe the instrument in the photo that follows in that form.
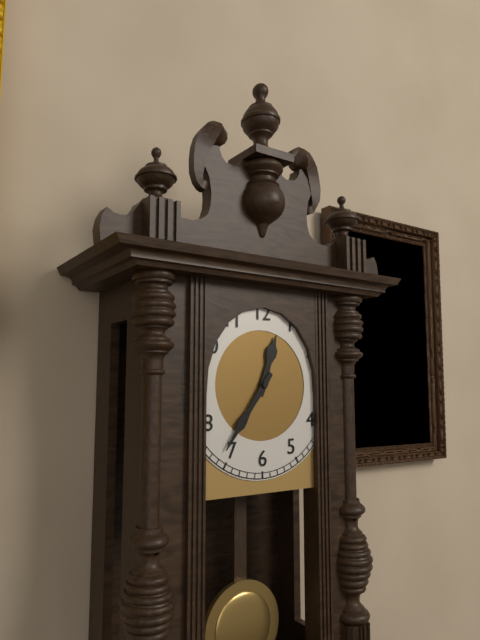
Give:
12h36
